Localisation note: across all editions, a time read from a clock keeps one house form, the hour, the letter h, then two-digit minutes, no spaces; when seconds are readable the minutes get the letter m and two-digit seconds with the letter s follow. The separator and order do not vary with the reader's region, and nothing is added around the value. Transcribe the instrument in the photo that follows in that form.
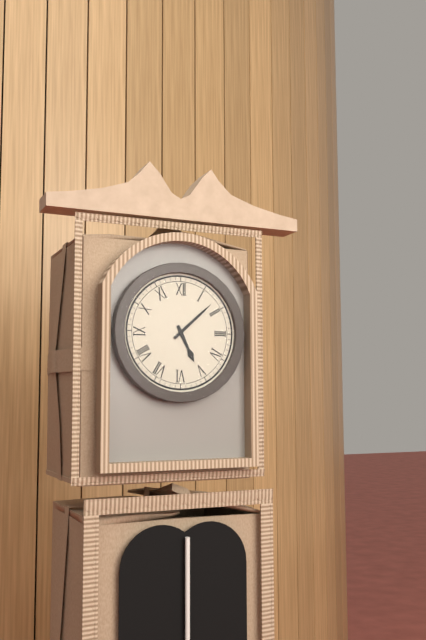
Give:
5h08
